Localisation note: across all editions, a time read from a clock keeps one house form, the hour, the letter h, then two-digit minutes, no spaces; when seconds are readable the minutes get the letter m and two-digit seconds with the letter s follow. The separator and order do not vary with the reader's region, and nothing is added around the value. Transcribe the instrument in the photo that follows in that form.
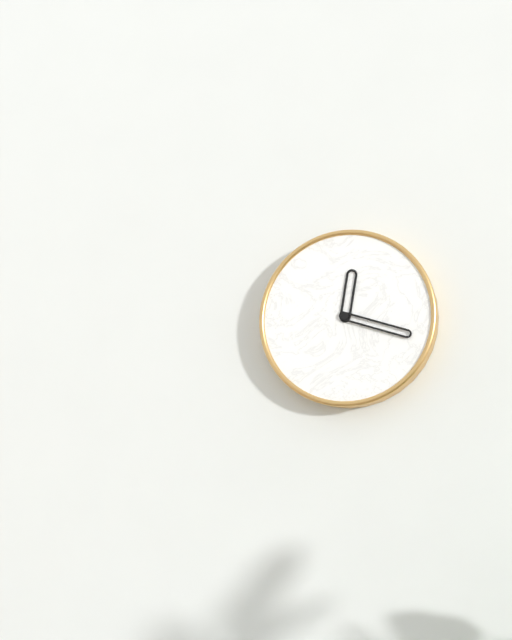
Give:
12h18
